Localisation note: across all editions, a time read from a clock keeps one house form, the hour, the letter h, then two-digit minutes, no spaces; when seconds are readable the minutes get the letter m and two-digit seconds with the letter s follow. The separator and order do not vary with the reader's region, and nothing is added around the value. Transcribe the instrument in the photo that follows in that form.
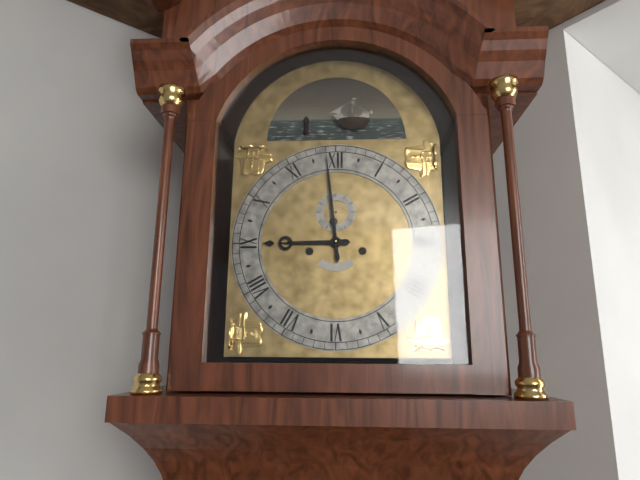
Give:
8h59
